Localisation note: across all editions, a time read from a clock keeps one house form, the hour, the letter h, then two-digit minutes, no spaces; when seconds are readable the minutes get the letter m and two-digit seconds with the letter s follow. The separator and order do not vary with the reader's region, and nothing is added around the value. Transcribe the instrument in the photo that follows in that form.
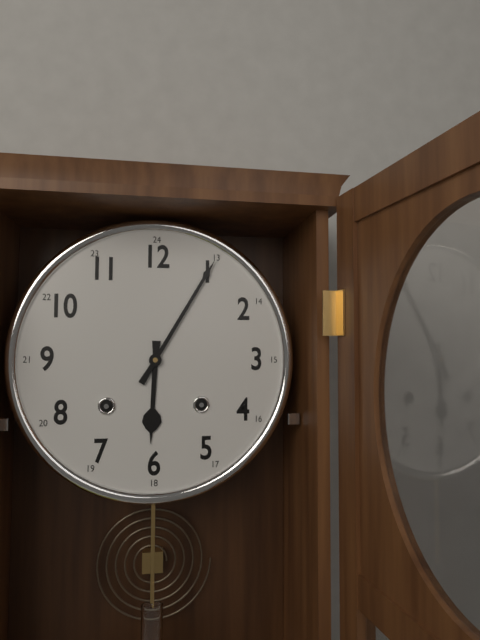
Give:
6h05
